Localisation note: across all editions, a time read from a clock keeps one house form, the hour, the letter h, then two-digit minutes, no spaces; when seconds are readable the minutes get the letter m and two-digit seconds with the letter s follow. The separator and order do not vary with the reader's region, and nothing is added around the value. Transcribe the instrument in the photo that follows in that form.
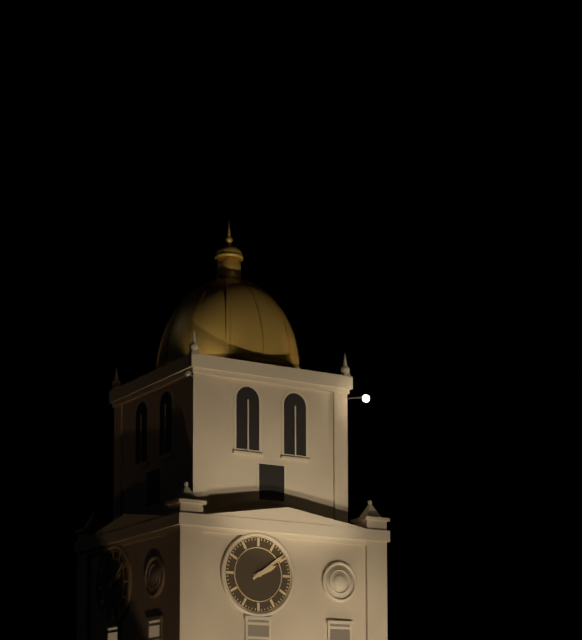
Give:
2h09
